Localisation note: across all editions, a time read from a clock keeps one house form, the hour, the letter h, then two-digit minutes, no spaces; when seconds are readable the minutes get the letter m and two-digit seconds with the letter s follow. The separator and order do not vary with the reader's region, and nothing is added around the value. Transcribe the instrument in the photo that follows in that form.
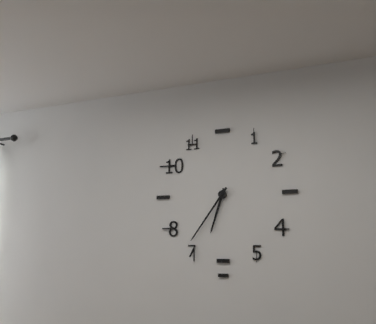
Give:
6h36
